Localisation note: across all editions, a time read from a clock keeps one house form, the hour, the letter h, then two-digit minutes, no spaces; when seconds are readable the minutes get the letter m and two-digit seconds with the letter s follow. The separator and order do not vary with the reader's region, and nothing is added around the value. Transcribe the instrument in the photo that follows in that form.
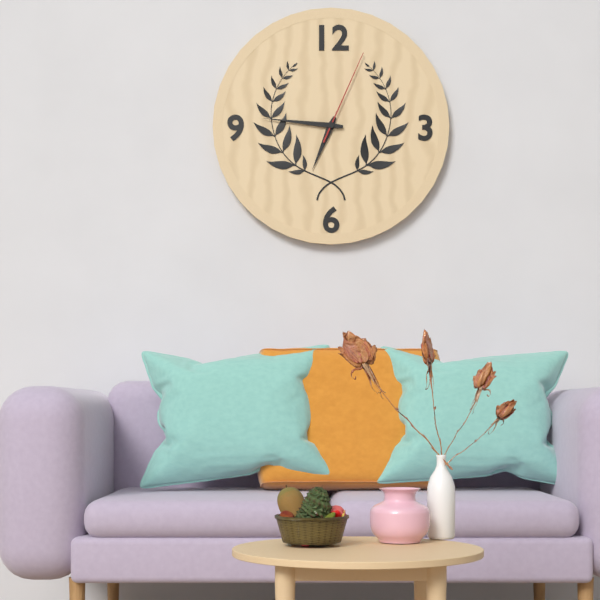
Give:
6h46m04s
